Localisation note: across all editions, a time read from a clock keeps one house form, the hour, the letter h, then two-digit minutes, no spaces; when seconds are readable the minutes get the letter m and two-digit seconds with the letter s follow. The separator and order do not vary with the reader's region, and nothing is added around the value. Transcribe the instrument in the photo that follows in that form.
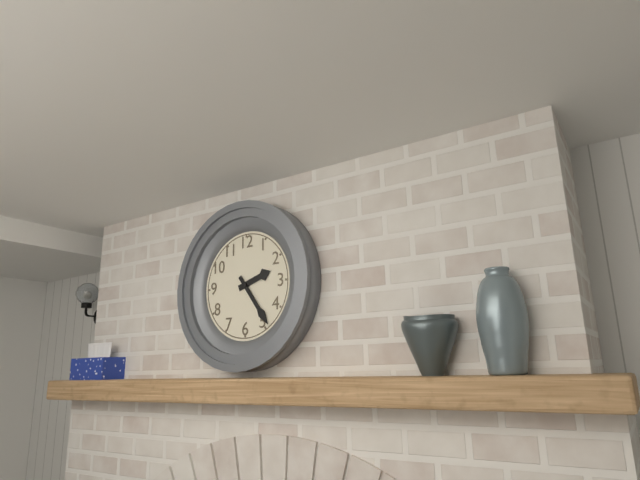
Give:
2h24
